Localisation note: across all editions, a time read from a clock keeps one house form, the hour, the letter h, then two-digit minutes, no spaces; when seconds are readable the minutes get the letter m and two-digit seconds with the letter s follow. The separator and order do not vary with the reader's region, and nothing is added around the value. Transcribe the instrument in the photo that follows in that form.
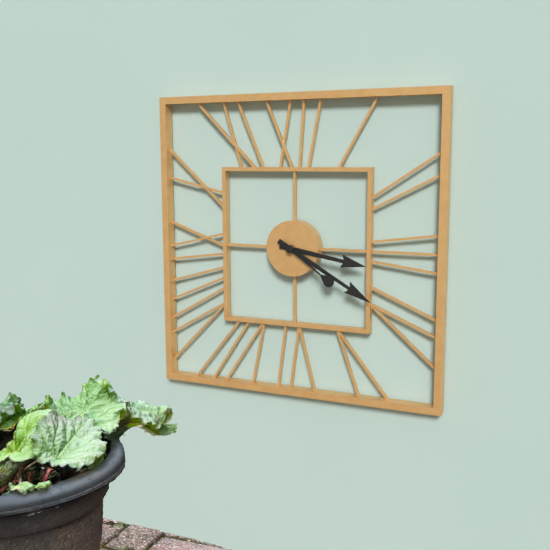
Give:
3h20m21s
